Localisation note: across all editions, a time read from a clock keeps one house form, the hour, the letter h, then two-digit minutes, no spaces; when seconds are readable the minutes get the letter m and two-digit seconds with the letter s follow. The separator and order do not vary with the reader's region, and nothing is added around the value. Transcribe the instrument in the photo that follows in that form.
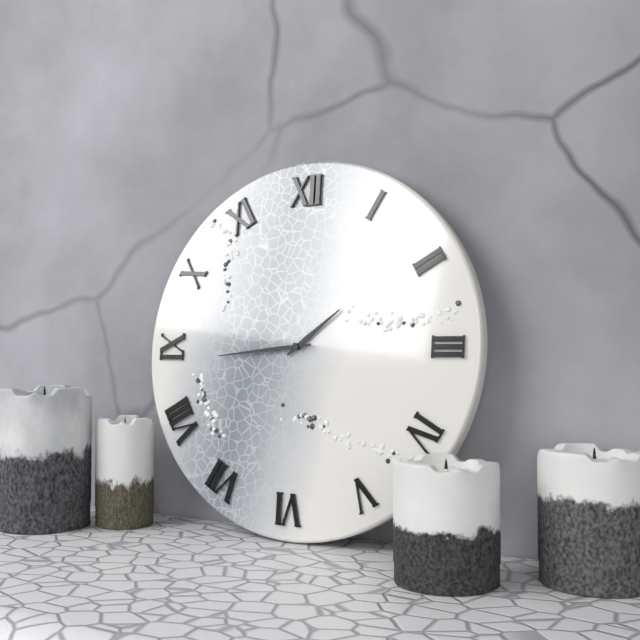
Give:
1h44
